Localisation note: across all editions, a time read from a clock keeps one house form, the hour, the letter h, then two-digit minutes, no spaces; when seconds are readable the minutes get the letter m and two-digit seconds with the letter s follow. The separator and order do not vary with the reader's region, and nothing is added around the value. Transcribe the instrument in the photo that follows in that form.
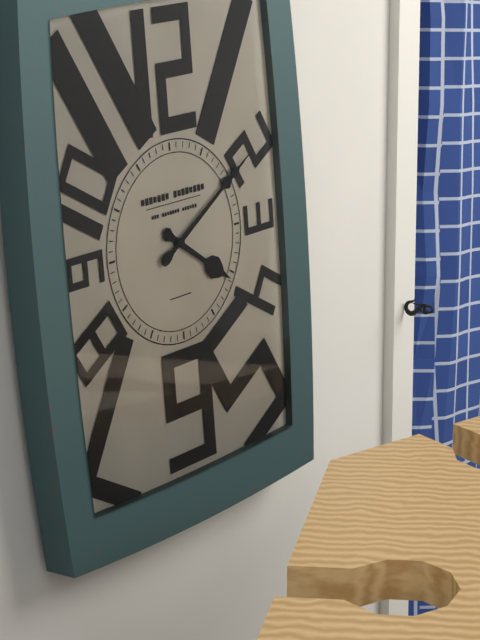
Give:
4h10
